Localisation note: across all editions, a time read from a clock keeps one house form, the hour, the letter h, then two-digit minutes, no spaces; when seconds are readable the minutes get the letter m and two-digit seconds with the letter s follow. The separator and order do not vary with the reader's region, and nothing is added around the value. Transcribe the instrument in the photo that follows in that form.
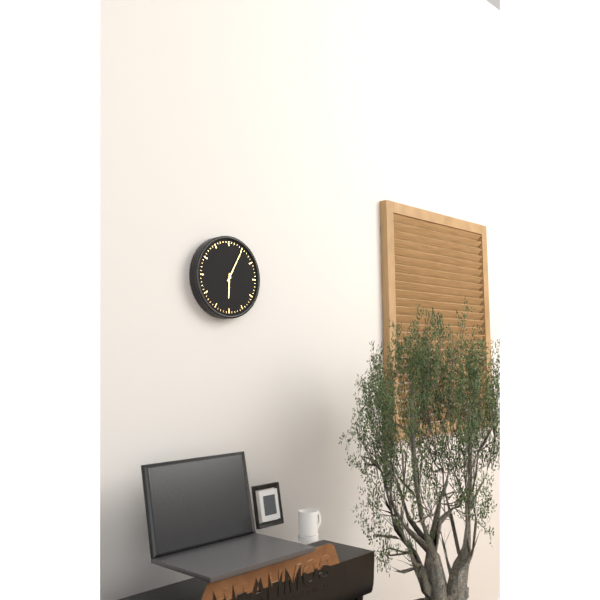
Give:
6h05
